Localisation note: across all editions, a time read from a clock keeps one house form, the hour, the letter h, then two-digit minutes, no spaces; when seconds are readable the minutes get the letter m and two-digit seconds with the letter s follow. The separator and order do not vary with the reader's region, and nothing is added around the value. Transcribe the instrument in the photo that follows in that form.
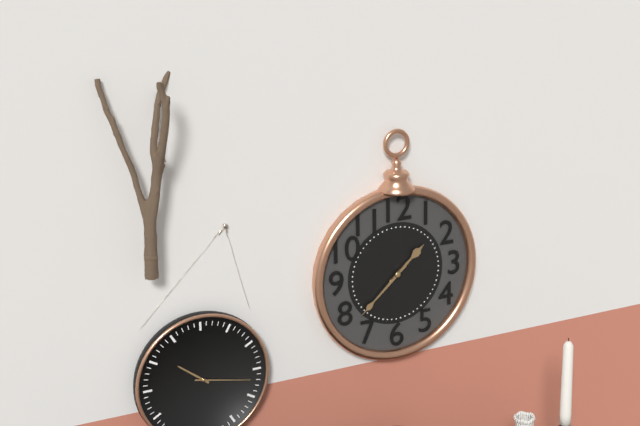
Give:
1h38
